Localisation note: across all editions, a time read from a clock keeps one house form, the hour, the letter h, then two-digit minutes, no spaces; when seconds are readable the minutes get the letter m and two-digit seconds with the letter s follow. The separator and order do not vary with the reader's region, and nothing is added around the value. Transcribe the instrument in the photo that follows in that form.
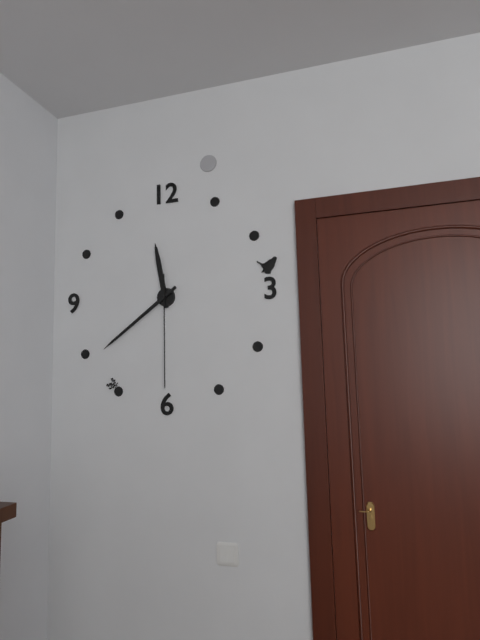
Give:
11h39m30s
